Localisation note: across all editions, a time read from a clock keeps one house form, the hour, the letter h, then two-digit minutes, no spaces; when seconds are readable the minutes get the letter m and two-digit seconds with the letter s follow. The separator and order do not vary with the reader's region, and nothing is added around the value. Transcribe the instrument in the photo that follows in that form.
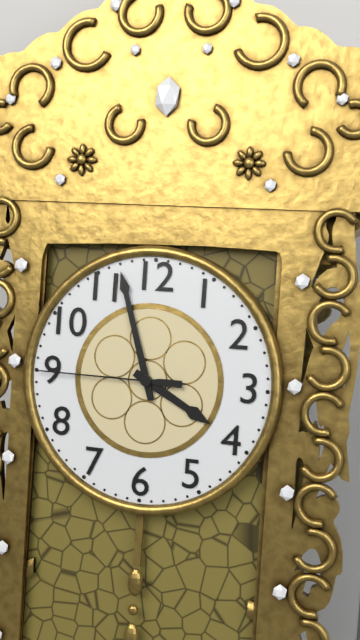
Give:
3h57m45s
